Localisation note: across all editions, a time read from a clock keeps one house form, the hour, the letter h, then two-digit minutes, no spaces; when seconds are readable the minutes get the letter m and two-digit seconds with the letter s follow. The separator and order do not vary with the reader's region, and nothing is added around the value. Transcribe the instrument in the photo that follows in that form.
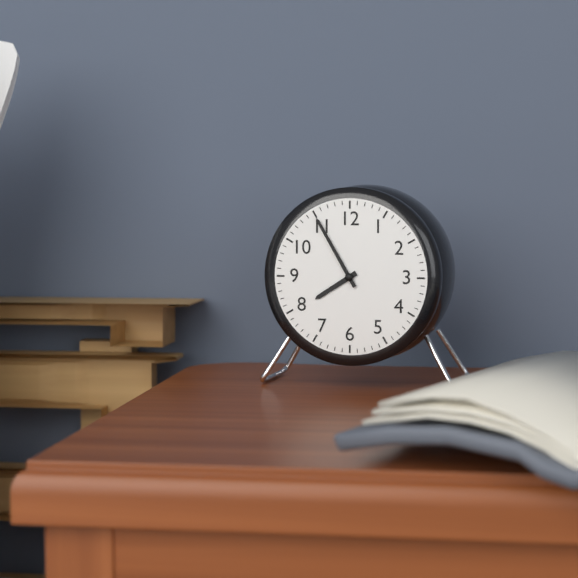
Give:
7h55
